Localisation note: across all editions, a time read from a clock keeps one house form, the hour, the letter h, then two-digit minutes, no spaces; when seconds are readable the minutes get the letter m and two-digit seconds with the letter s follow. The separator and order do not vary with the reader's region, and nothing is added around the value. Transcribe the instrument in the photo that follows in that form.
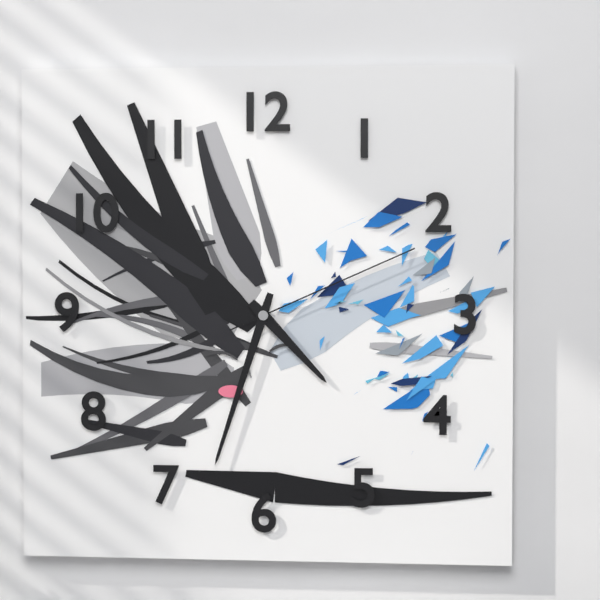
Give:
4h33m11s
